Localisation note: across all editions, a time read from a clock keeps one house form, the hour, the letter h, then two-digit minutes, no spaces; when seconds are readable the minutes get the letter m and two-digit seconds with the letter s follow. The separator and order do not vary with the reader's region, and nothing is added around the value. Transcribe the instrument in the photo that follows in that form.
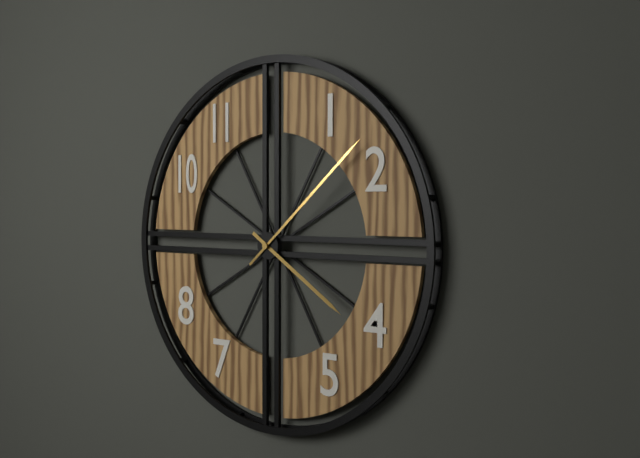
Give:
4h08
